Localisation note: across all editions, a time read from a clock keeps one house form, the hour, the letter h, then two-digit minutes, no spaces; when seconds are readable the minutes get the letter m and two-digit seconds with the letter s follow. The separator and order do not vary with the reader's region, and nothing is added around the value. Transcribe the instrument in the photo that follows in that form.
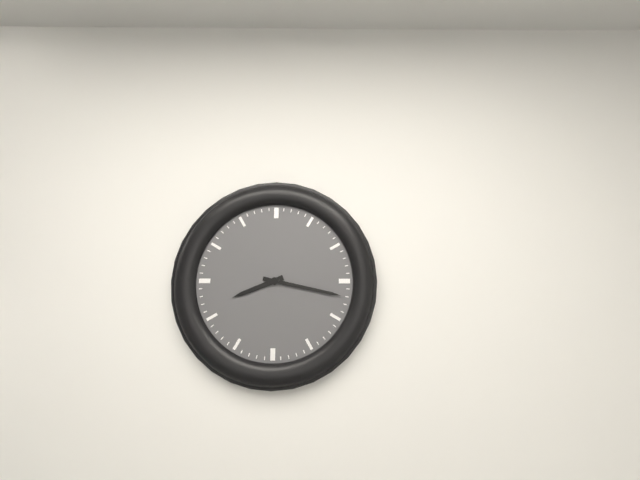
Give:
8h17
